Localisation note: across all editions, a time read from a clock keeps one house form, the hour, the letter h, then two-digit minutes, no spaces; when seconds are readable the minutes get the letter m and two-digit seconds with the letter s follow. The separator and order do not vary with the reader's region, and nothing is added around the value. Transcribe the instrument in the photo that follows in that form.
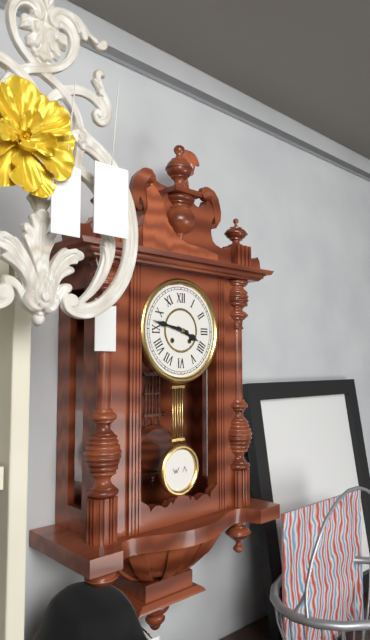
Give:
3h47
